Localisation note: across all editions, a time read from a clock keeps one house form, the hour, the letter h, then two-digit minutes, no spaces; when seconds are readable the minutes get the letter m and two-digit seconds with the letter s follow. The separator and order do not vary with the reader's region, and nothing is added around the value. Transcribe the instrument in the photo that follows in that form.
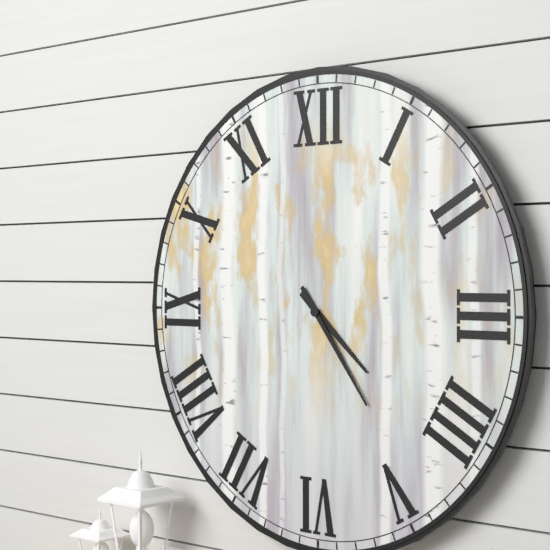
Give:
4h24
